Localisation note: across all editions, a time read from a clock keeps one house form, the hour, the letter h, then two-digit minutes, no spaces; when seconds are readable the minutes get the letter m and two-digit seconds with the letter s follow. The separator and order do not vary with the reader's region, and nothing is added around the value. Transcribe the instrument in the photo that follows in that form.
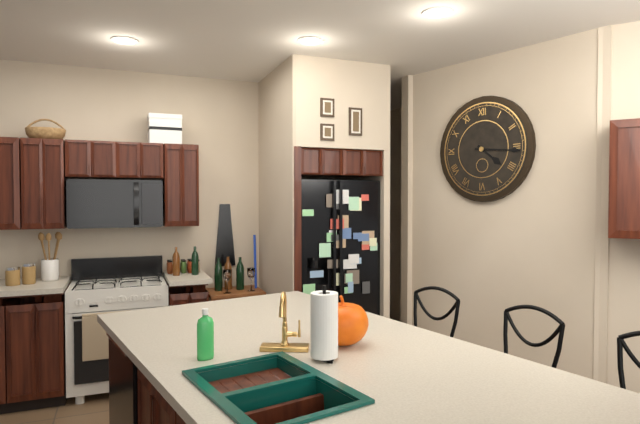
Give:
4h16
